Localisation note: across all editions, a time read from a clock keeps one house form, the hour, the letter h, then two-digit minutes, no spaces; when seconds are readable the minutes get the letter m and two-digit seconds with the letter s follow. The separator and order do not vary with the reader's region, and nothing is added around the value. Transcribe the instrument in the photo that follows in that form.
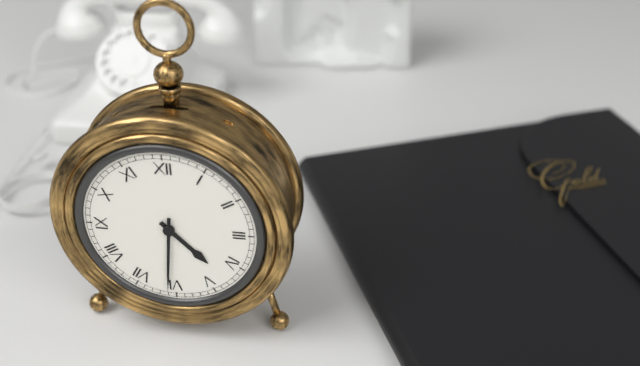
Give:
4h31
